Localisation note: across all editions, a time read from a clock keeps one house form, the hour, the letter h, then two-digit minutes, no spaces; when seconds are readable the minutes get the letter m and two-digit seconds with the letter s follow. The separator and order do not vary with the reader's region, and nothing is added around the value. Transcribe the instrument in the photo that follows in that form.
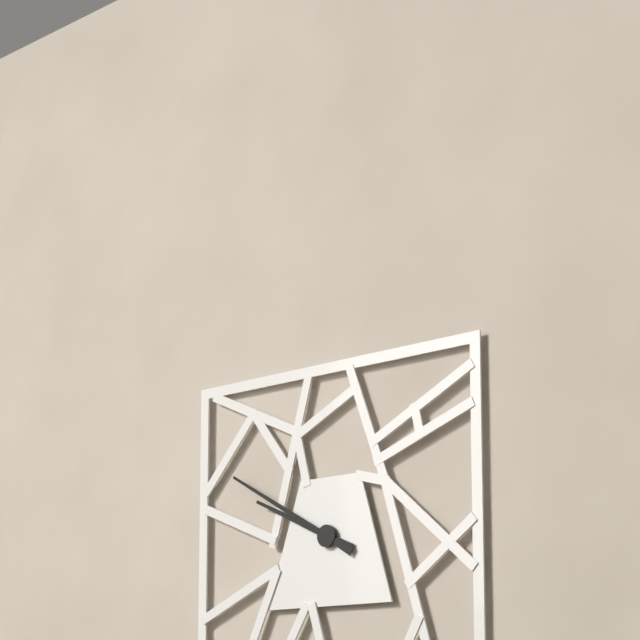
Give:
9h50
